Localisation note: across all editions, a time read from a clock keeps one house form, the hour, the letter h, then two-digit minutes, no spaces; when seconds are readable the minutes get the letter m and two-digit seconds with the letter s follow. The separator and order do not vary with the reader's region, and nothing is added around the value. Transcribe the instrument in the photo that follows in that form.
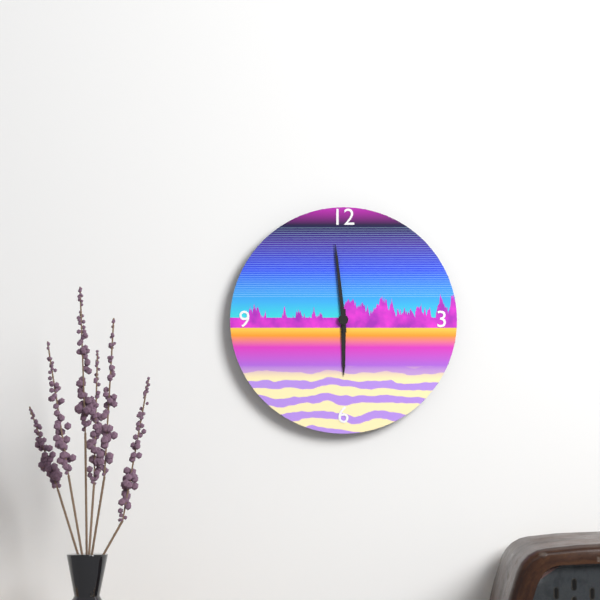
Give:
5h59
